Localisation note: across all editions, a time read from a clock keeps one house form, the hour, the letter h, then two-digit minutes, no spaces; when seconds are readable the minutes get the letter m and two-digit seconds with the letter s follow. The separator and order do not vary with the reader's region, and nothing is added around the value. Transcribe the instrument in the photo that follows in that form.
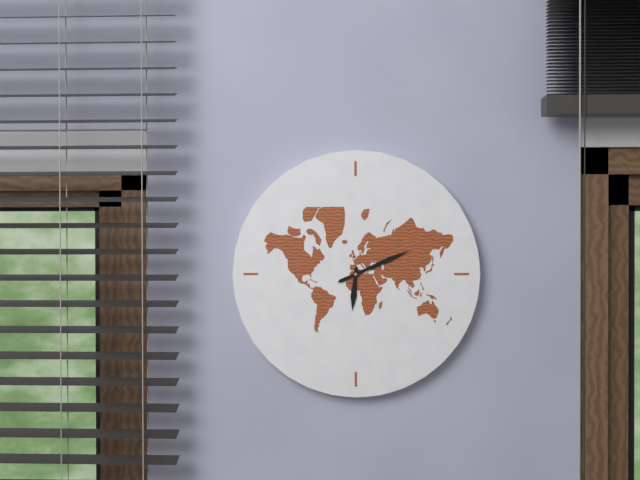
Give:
6h11
